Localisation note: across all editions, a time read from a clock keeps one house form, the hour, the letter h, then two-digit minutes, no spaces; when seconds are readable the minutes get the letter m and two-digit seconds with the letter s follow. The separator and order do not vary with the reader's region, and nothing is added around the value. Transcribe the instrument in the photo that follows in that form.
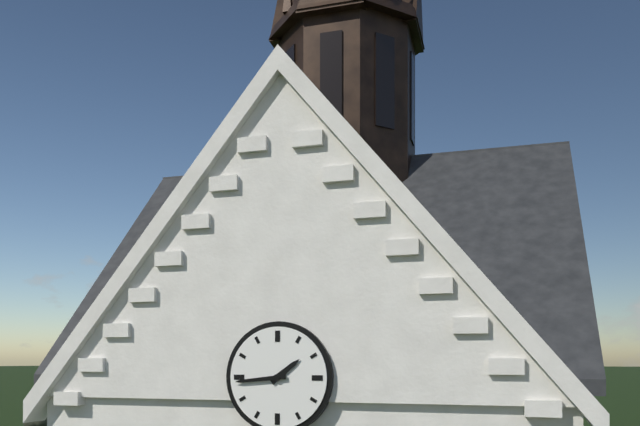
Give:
1h44
